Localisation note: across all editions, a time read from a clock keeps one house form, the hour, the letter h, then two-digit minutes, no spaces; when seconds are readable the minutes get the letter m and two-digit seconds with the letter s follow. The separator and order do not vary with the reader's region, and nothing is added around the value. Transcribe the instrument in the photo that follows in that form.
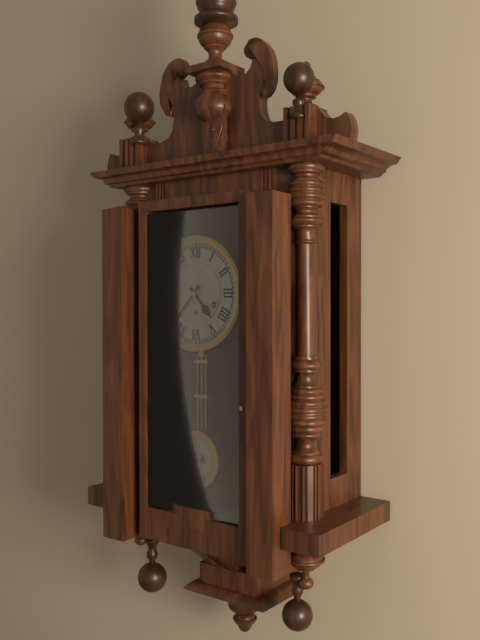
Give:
4h37
